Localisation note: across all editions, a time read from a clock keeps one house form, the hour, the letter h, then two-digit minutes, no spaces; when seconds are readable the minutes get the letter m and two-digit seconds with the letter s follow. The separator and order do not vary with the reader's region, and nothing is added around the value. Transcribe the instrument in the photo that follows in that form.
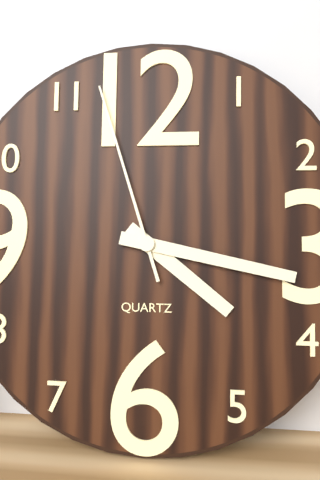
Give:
4h17m57s
